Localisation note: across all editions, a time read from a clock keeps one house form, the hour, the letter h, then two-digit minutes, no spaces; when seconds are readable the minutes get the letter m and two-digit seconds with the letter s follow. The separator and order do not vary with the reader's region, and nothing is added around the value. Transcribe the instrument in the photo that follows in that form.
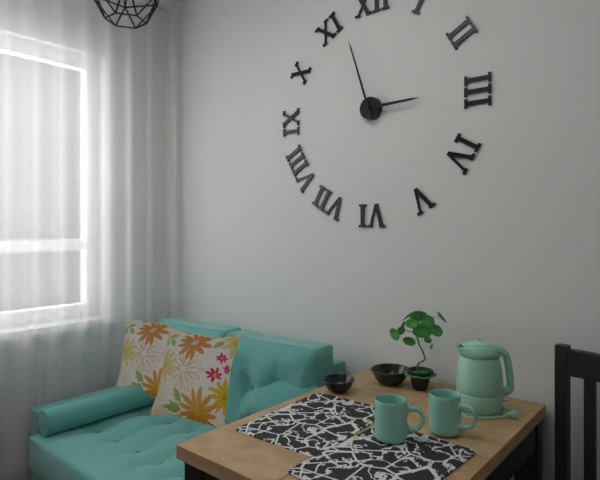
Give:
2h57
